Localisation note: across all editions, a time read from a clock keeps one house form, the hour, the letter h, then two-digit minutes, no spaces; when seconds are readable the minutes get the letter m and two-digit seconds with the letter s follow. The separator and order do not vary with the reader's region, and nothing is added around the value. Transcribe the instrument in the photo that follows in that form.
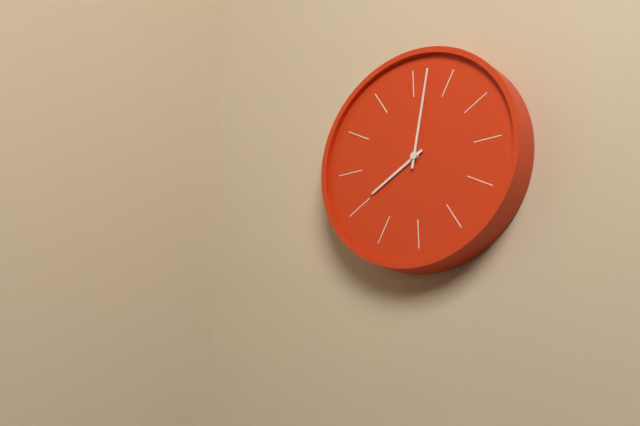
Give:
8h02
